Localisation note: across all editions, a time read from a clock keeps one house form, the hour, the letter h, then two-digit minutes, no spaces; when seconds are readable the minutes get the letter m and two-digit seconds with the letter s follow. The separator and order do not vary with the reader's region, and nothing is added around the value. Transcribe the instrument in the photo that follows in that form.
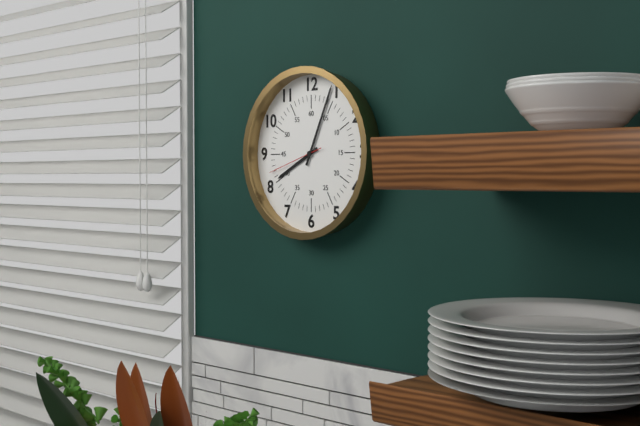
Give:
8h04m42s
